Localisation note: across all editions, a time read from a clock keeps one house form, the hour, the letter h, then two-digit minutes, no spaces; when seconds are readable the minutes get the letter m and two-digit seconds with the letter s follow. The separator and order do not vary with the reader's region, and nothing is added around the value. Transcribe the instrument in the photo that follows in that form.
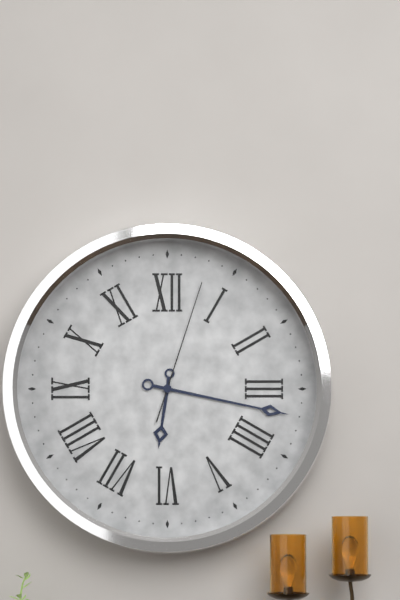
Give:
6h17m03s
